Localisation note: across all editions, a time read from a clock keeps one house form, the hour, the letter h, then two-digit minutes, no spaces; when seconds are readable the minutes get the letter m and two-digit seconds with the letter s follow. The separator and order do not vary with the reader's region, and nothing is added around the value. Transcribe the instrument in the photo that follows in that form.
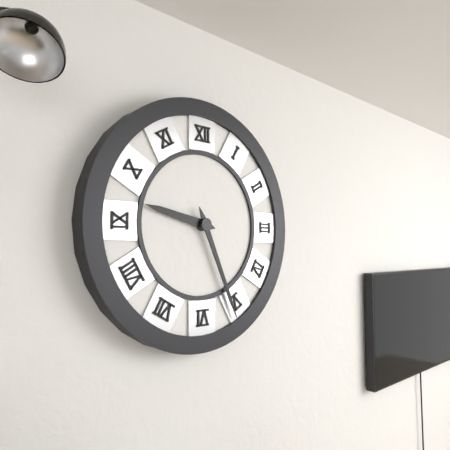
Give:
9h26
